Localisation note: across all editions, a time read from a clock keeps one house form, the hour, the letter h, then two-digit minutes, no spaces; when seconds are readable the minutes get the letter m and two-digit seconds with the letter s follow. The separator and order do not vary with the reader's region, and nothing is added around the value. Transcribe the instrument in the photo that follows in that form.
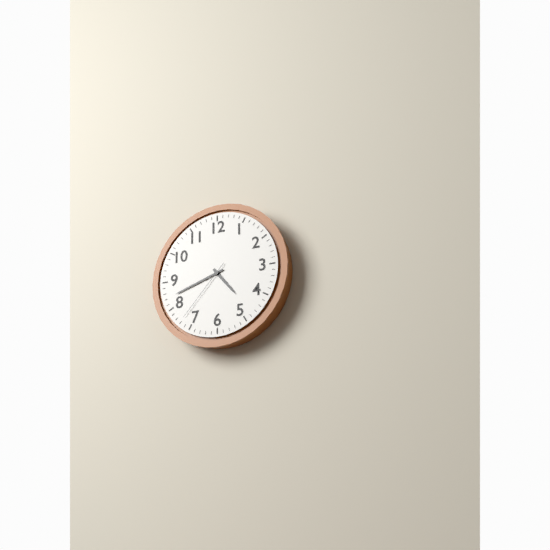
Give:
4h42m37s
